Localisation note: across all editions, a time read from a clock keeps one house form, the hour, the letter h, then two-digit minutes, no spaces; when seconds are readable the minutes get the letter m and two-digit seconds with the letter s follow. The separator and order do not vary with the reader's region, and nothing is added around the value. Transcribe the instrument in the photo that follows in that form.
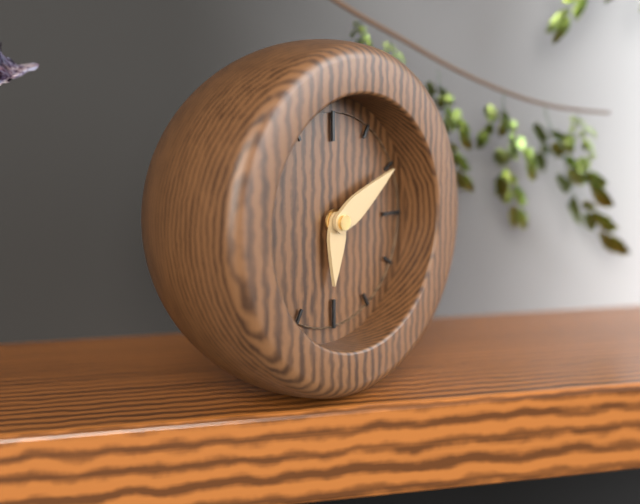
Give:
6h10
